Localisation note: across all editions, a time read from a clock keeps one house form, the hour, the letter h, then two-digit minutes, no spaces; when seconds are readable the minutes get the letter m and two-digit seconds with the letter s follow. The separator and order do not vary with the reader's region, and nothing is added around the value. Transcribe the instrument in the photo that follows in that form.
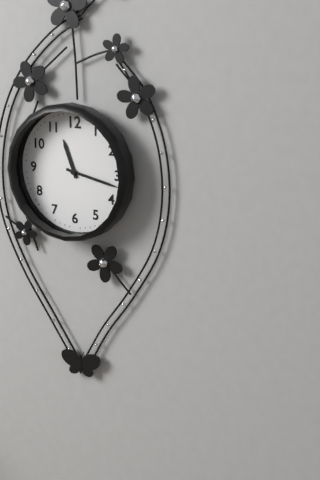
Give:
11h17
